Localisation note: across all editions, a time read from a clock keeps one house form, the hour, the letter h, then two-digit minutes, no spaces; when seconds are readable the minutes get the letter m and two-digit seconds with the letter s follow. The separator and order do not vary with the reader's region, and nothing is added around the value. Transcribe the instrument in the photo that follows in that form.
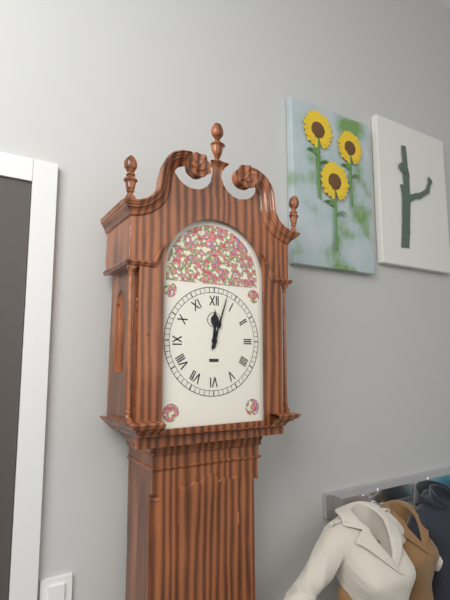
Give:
12h03
